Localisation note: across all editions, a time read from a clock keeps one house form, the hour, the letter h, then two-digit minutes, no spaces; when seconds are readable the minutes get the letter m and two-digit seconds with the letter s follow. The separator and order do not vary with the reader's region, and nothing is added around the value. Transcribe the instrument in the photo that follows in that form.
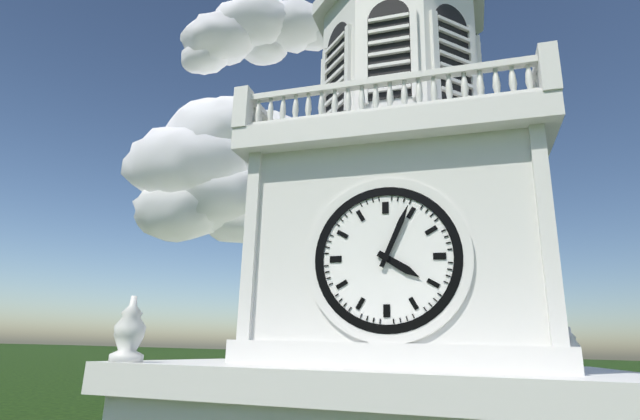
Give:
4h04
